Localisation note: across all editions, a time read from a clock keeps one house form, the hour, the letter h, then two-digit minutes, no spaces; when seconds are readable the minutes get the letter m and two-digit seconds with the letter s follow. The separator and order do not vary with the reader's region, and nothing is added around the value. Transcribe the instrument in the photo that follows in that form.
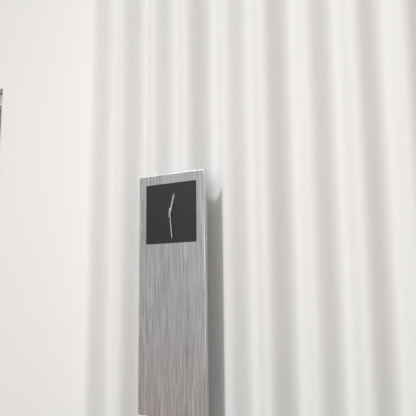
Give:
12h29
